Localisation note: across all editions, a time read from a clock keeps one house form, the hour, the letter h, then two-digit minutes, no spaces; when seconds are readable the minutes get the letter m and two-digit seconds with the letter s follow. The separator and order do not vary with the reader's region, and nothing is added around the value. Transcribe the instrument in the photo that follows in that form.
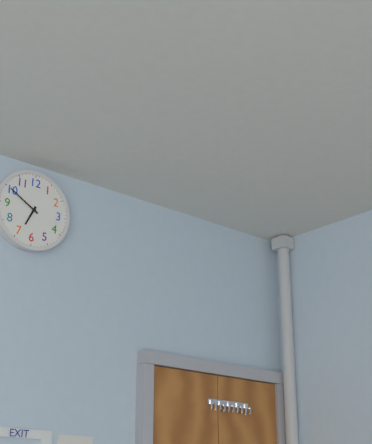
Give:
6h50
